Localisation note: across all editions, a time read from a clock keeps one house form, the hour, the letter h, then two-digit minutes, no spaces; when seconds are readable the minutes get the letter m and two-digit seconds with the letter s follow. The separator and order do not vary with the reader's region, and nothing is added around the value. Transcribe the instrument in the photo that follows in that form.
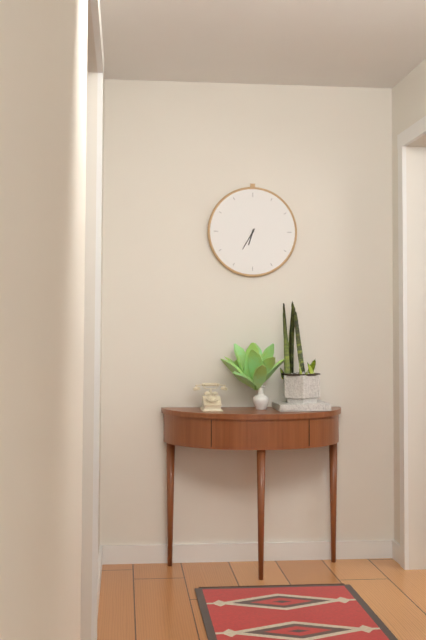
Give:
6h35
